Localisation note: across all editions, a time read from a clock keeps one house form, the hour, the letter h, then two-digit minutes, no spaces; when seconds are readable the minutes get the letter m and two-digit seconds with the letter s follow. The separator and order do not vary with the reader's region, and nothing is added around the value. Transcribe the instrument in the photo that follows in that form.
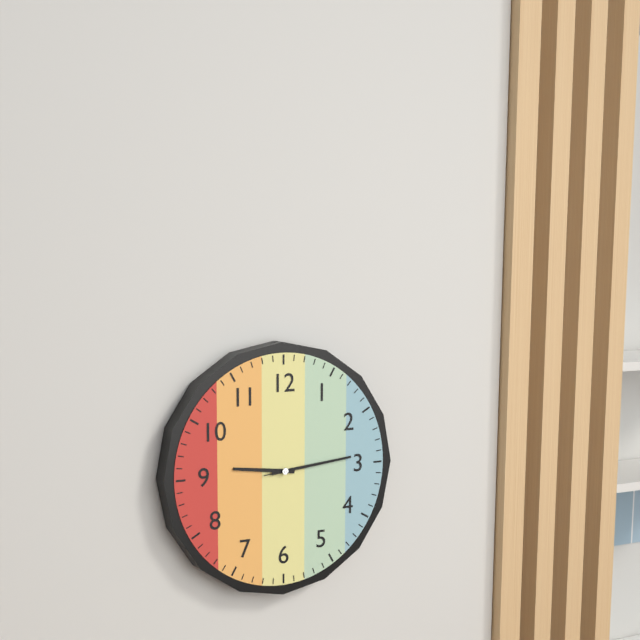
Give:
9h14m14s
